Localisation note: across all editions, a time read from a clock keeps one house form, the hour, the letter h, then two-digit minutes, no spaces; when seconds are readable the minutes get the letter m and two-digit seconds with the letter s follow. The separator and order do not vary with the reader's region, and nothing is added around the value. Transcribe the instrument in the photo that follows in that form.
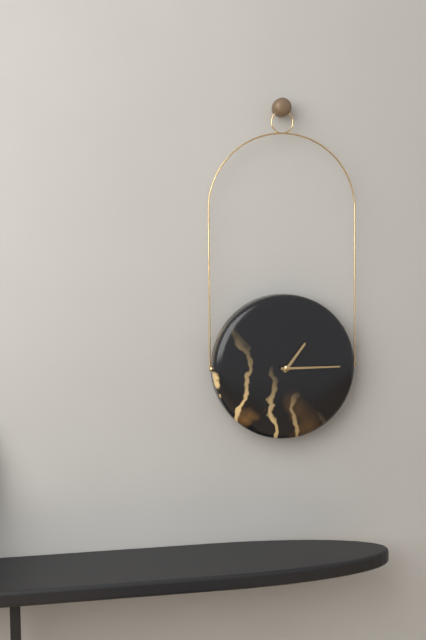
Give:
1h15
